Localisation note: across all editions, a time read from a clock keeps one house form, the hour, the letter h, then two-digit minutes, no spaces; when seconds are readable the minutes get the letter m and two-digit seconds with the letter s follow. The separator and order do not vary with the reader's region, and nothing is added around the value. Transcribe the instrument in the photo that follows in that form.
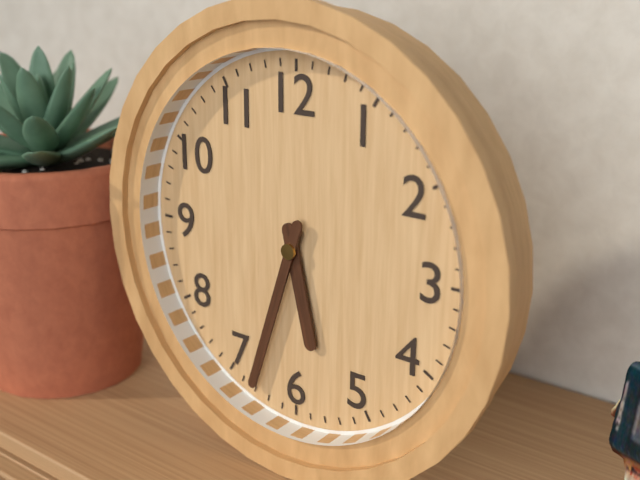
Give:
5h33
